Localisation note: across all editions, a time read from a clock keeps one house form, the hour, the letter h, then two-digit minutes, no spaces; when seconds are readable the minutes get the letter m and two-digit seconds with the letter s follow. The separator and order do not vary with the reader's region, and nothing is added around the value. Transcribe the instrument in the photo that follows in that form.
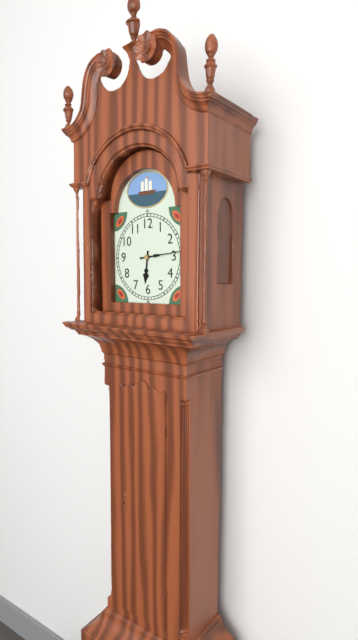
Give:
6h14
